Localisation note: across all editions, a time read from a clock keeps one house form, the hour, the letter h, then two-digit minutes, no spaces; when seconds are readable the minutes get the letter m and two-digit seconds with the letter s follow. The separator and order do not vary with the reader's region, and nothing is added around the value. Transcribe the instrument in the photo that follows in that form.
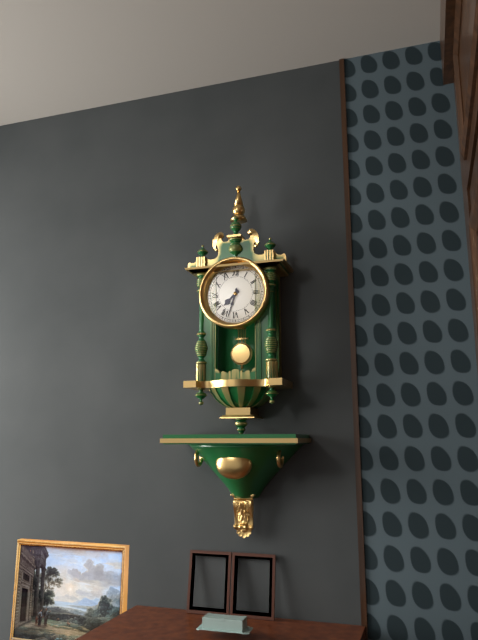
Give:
7h33
